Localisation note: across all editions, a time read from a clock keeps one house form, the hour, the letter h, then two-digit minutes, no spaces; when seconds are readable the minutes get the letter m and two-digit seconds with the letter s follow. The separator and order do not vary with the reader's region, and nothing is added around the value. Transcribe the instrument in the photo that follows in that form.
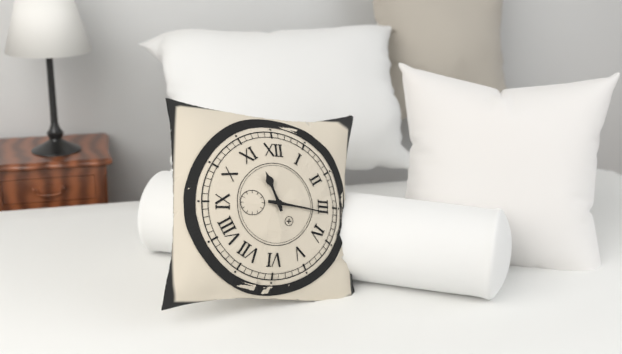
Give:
11h16
